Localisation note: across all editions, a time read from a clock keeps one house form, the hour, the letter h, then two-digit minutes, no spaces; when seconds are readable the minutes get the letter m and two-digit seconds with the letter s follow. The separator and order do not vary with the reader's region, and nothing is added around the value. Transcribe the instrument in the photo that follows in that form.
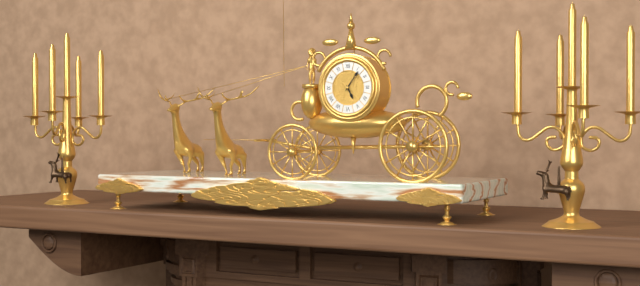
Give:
5h06
